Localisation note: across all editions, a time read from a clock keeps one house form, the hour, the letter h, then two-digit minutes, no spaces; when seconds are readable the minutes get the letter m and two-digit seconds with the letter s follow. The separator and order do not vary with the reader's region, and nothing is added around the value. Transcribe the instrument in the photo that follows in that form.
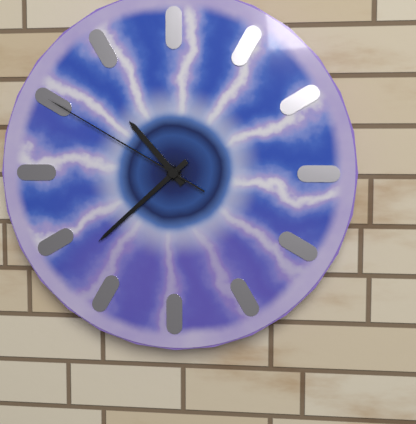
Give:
10h38m50s
